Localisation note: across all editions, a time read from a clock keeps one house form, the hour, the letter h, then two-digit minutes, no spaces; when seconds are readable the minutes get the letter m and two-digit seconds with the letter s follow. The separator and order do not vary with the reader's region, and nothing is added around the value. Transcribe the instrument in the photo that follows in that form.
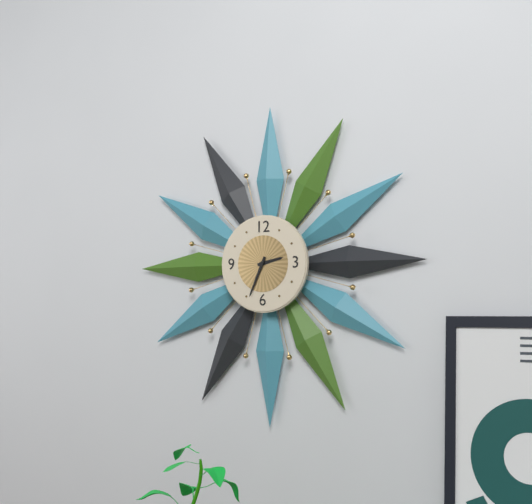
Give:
2h34
